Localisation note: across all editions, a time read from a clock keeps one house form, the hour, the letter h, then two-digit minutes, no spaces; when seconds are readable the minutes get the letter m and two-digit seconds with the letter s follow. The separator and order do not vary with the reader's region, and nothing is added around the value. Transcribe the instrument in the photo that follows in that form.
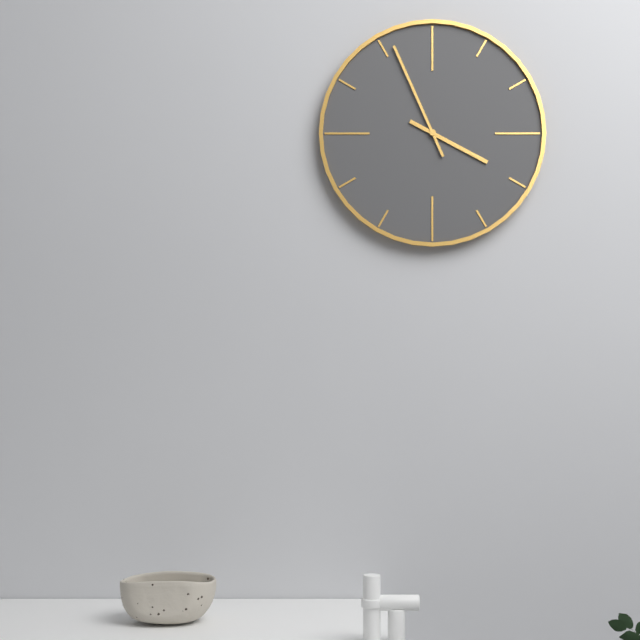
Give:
3h56
